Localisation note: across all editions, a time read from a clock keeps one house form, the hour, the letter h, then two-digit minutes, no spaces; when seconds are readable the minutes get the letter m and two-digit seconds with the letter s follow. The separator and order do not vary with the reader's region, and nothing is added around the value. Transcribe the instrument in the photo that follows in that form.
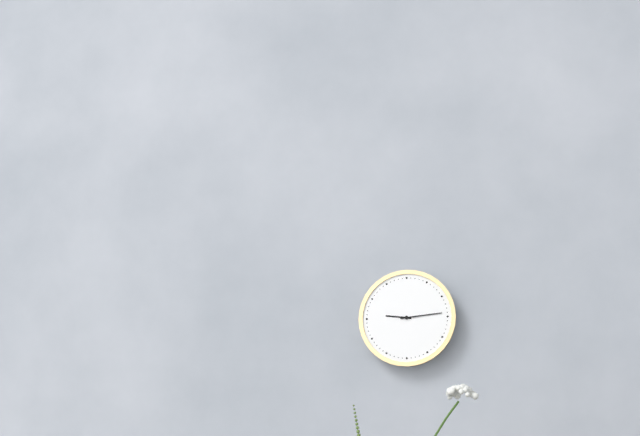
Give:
9h14
